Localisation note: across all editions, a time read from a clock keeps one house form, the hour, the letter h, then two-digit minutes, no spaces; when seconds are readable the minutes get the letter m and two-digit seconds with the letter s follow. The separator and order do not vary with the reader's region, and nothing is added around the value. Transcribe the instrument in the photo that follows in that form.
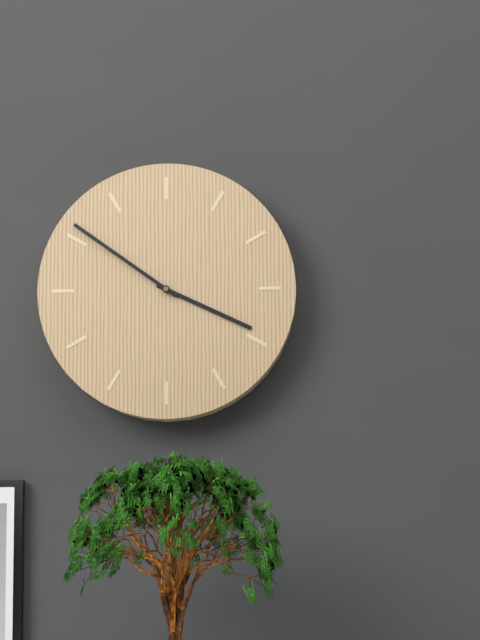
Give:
3h51
